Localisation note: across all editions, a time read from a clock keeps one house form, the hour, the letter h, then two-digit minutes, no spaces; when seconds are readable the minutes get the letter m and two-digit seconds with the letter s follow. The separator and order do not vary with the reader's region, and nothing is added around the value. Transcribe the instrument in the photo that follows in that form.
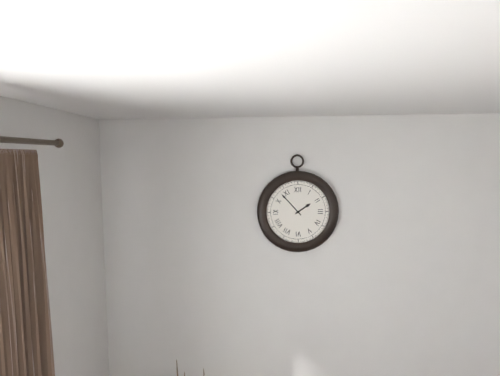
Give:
1h53
